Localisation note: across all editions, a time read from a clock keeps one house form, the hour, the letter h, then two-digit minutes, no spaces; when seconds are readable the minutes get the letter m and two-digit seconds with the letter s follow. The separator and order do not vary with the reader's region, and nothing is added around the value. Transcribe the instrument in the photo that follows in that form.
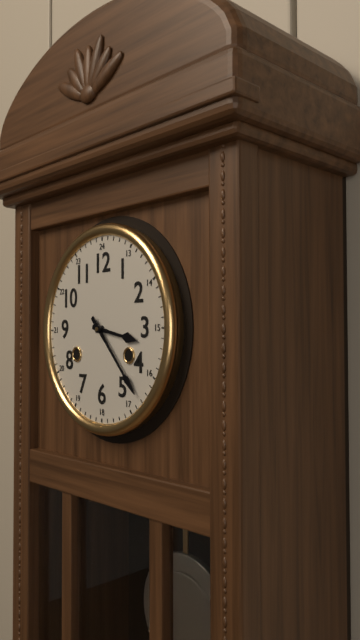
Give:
3h23
